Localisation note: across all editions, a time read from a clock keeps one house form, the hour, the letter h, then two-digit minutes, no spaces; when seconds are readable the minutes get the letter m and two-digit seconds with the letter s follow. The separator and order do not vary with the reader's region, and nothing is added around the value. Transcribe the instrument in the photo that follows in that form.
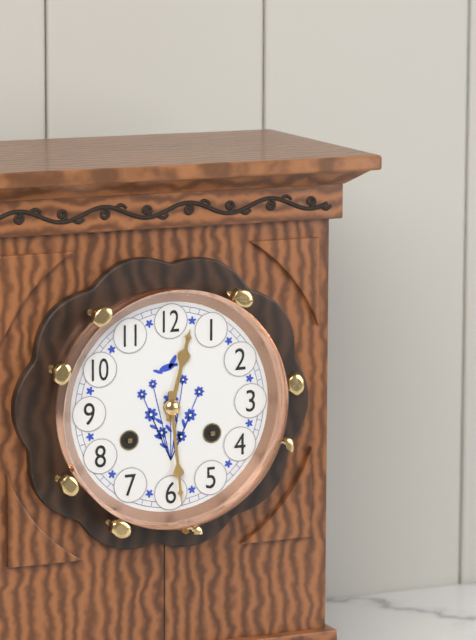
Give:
12h29
